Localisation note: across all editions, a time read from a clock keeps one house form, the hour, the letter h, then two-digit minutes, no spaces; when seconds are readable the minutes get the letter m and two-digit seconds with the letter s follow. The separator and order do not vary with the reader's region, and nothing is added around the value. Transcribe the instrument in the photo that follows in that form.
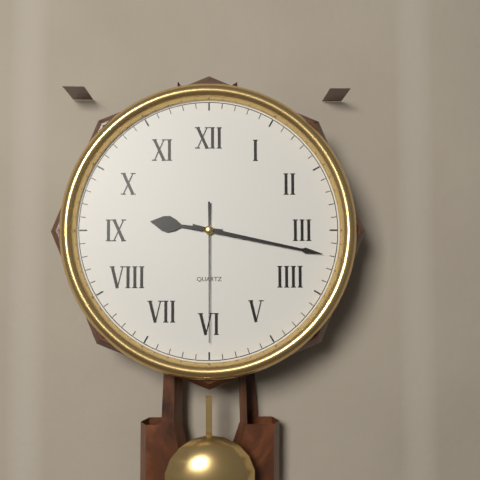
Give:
9h17m30s
